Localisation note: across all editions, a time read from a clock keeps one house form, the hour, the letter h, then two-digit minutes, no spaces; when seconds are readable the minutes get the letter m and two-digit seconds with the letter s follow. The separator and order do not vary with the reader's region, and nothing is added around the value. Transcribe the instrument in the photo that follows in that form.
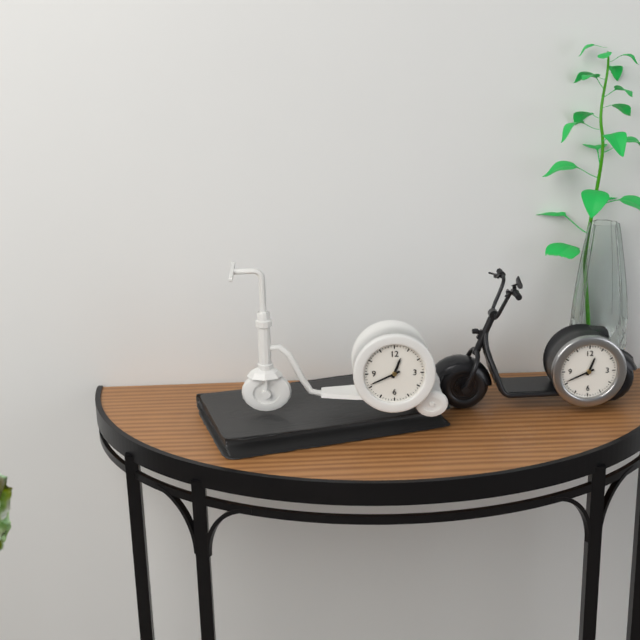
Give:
12h41
